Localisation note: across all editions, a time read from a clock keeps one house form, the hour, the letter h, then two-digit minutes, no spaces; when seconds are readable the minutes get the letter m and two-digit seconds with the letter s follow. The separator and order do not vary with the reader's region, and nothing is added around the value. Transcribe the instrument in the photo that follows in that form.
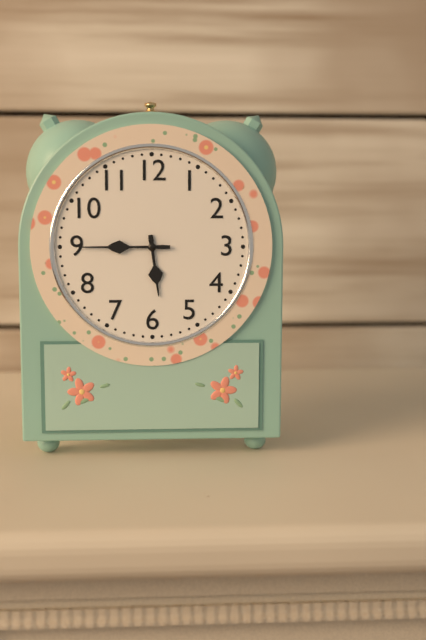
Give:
5h45
